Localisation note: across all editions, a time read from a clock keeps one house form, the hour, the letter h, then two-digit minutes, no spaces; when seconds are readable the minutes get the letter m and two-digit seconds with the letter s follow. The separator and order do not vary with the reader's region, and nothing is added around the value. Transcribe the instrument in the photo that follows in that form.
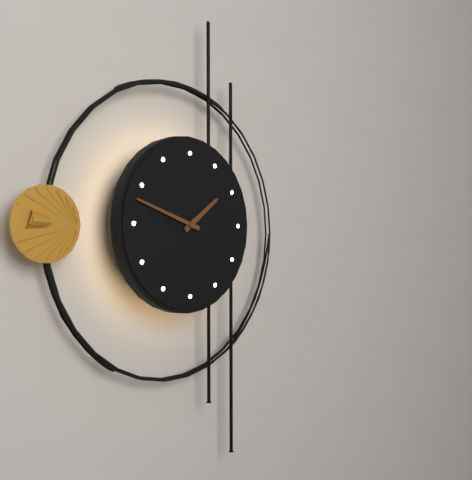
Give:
1h48
